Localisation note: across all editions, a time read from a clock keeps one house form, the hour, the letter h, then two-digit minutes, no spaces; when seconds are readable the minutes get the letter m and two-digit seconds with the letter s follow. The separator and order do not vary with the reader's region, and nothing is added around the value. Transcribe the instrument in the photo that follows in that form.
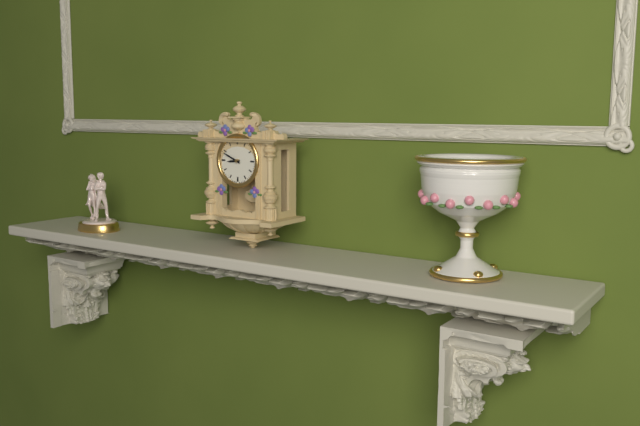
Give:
8h49
